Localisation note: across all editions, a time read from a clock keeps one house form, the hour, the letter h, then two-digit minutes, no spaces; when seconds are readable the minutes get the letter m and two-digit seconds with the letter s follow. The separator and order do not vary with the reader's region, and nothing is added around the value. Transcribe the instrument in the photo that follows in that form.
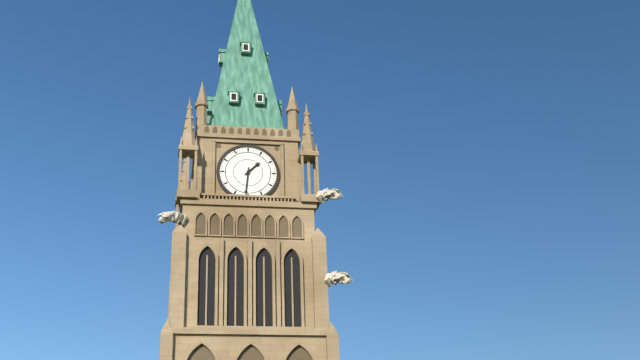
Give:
1h31
